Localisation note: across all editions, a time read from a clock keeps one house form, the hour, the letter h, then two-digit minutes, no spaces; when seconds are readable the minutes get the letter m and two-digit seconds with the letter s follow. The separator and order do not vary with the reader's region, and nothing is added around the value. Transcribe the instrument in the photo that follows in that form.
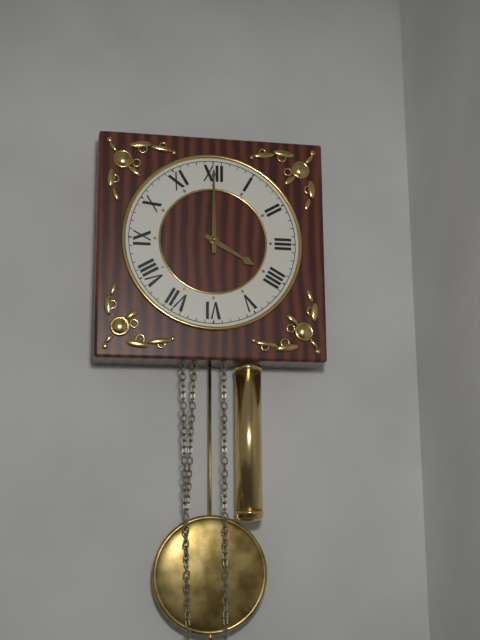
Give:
4h00
